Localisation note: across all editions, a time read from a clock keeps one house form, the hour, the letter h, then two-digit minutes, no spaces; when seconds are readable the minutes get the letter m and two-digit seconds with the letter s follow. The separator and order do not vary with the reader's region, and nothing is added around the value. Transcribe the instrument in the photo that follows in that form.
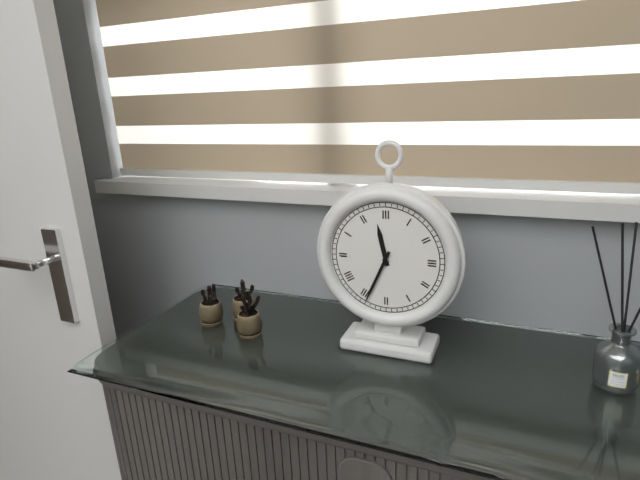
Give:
11h34
